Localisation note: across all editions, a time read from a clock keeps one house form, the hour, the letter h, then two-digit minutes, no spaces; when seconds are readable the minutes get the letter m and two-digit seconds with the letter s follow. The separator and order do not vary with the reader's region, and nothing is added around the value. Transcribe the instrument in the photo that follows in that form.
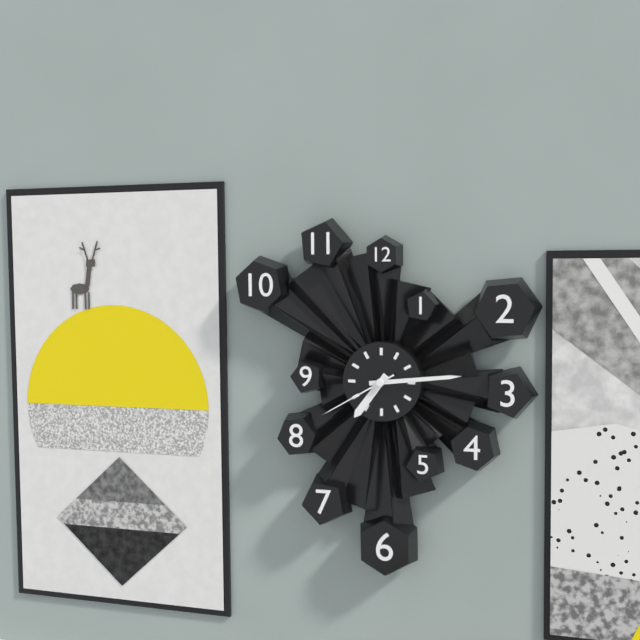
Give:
7h14m40s
